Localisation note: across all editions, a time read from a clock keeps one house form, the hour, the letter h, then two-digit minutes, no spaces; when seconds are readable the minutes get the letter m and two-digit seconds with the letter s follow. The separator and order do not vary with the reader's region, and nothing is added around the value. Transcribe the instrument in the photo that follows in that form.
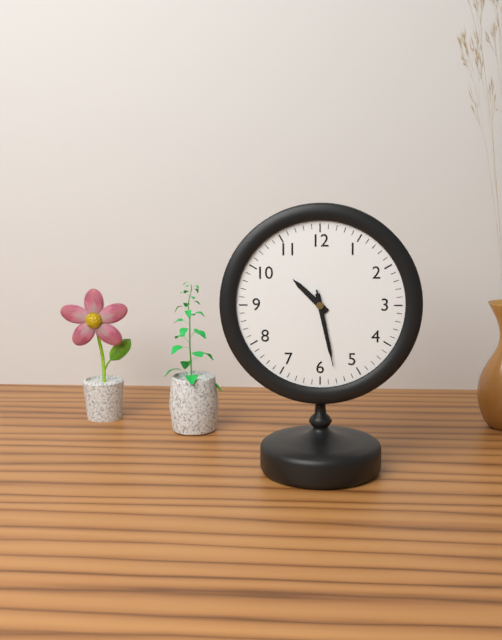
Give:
10h28m28s
